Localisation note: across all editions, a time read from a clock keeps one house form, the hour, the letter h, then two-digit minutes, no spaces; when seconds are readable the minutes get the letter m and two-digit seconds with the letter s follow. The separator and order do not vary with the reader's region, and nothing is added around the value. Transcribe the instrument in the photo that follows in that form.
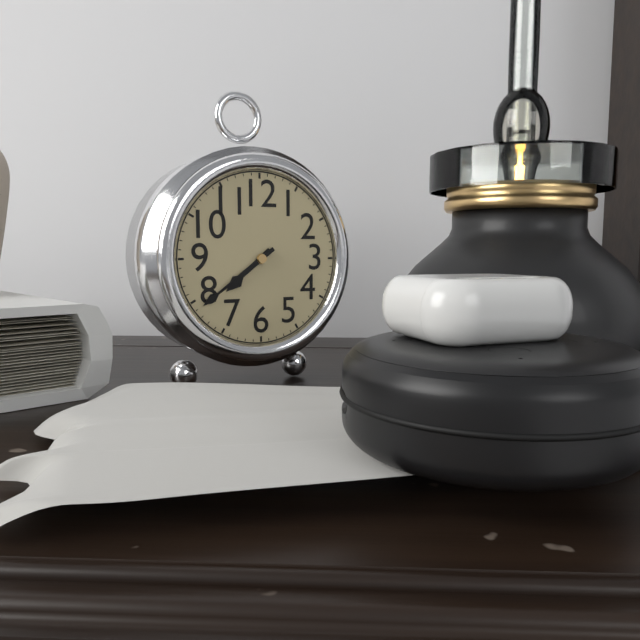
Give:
7h39
